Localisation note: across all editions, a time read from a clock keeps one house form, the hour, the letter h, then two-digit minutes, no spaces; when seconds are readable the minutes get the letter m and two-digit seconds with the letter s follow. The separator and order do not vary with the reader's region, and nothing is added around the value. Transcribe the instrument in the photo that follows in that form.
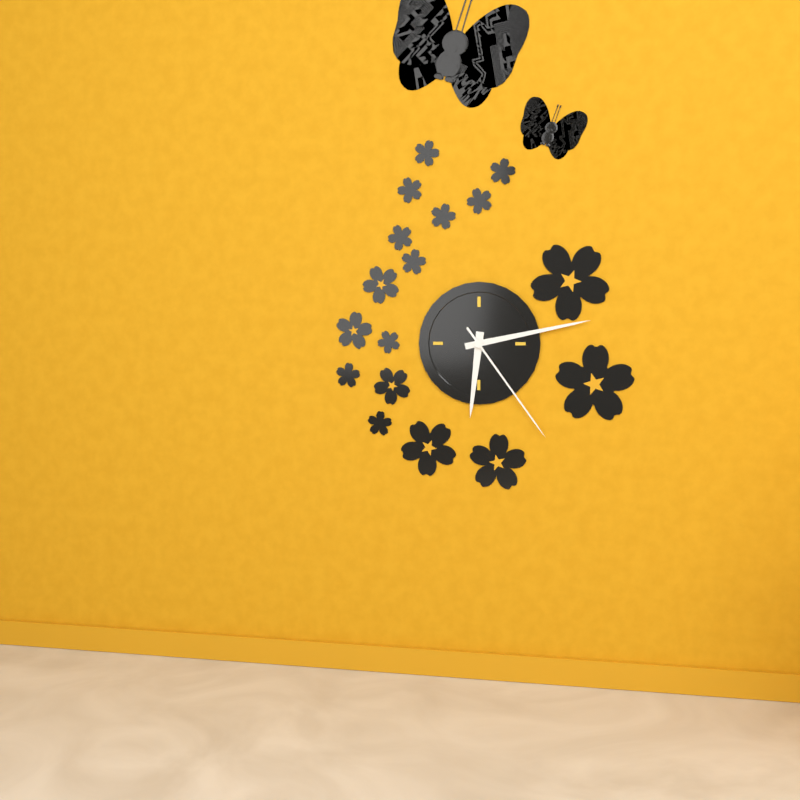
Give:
6h13m24s
